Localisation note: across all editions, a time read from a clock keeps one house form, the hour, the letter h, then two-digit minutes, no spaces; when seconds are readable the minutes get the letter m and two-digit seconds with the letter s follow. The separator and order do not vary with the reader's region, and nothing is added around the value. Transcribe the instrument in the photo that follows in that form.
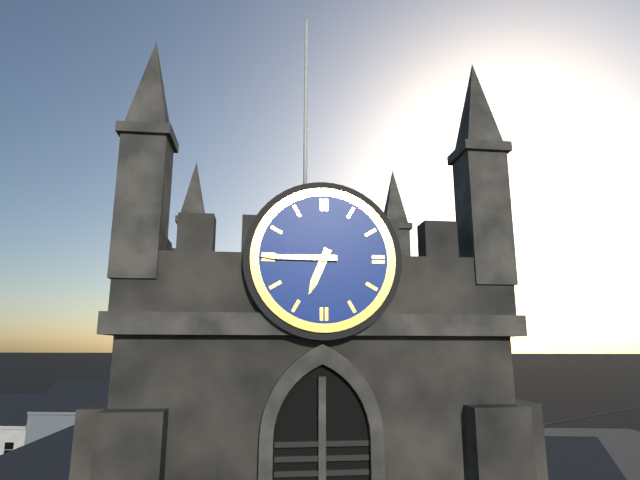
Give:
6h45
